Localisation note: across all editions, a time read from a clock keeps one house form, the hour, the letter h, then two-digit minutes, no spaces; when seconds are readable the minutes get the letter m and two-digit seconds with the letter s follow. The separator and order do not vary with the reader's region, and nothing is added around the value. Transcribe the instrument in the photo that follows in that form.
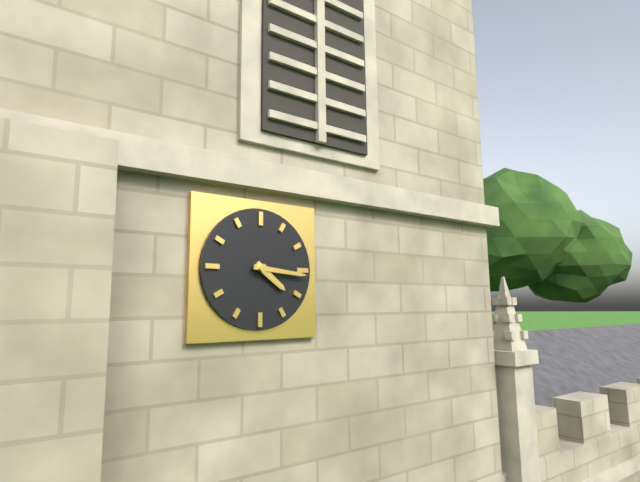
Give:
4h16
